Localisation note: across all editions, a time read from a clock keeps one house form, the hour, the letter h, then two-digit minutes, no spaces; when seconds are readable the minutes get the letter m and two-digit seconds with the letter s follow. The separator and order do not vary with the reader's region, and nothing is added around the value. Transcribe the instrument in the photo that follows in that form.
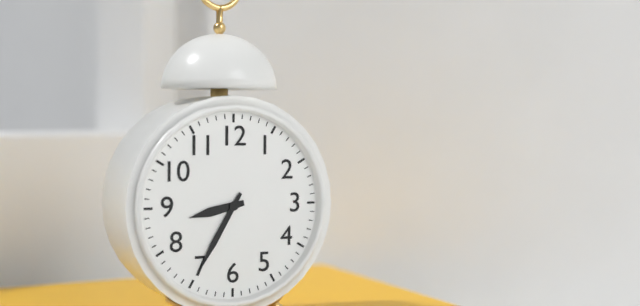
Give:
8h35
